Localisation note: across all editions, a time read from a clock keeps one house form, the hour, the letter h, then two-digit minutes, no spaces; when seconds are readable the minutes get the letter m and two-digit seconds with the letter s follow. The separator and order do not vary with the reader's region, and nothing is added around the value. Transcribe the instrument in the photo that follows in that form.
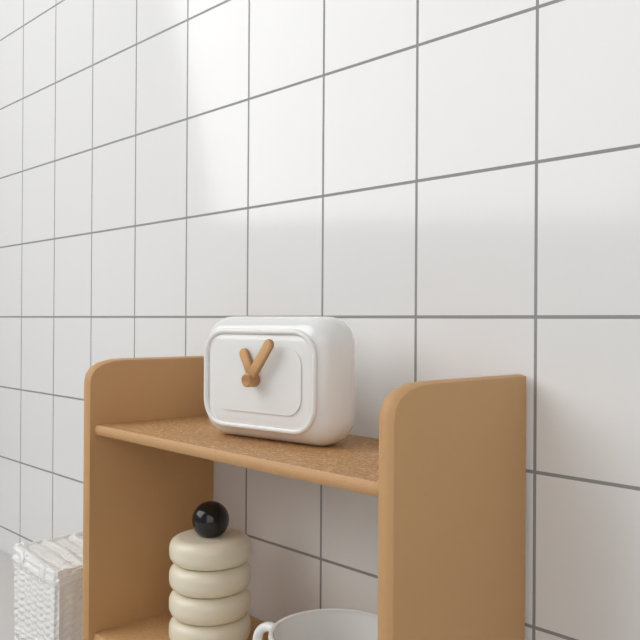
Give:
11h06
